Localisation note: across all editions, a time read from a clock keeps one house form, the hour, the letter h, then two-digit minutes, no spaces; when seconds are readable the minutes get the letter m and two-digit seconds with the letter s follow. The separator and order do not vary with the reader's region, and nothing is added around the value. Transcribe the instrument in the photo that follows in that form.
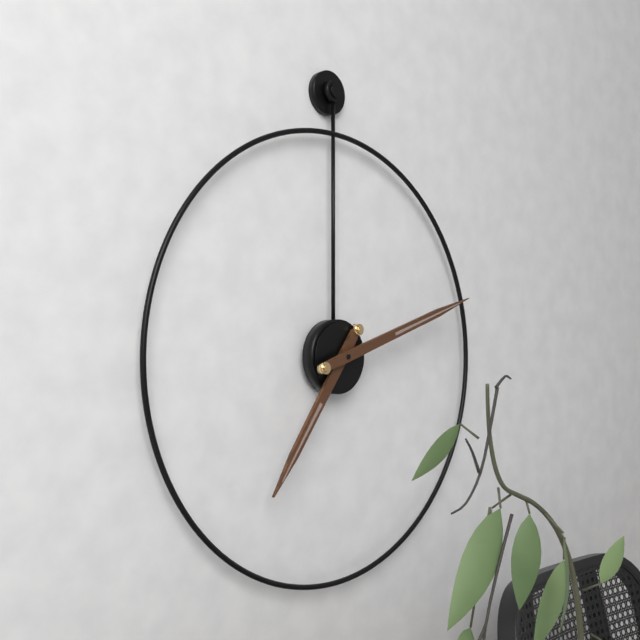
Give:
7h12
